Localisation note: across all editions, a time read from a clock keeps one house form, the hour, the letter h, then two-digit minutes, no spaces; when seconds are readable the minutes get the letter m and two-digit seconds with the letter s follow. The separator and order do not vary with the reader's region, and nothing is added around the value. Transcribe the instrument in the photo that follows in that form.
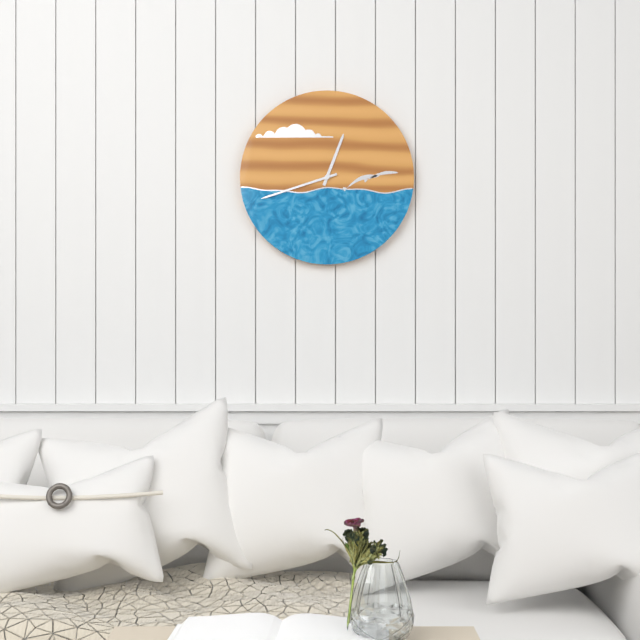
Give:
12h42
